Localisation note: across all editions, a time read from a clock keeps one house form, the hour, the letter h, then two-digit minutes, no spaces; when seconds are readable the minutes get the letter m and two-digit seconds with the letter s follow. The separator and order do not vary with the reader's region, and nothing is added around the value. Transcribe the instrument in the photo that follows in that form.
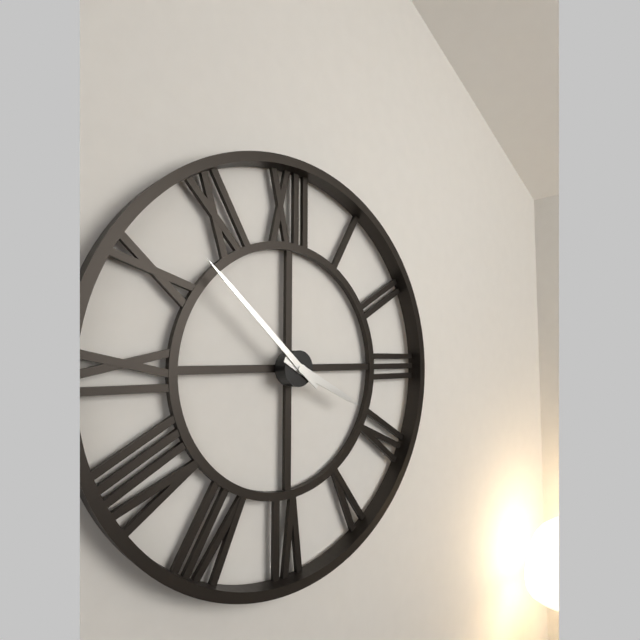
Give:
3h52
